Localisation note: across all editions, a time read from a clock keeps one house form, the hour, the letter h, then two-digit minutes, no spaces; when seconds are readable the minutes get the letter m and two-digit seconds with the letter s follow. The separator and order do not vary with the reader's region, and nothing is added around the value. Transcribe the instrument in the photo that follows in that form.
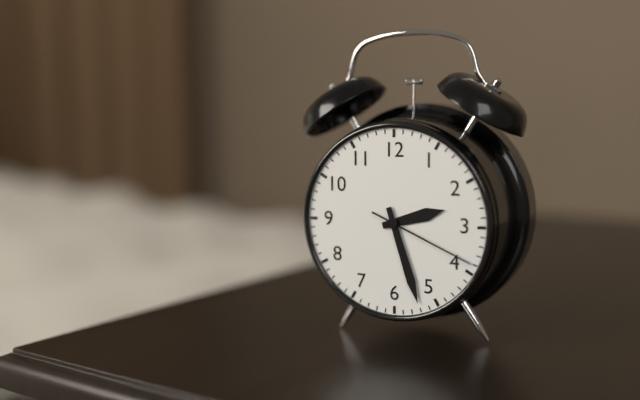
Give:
2h27m19s
